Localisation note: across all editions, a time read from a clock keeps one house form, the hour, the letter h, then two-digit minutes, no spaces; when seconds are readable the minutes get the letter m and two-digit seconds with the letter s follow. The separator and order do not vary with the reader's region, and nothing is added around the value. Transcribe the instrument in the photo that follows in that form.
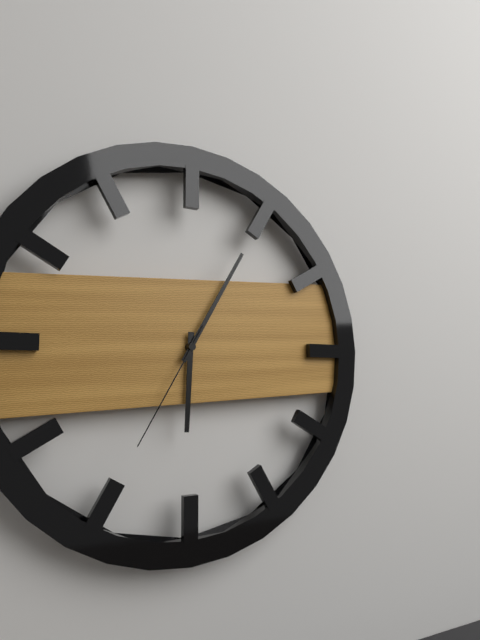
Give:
6h05m35s
